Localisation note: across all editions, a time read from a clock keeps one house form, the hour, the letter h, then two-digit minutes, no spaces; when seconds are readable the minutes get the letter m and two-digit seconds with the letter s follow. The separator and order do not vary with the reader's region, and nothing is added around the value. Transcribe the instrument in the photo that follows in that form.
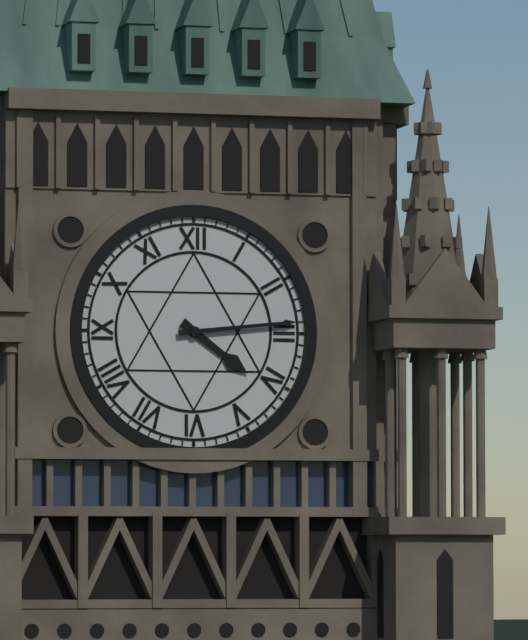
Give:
4h14
